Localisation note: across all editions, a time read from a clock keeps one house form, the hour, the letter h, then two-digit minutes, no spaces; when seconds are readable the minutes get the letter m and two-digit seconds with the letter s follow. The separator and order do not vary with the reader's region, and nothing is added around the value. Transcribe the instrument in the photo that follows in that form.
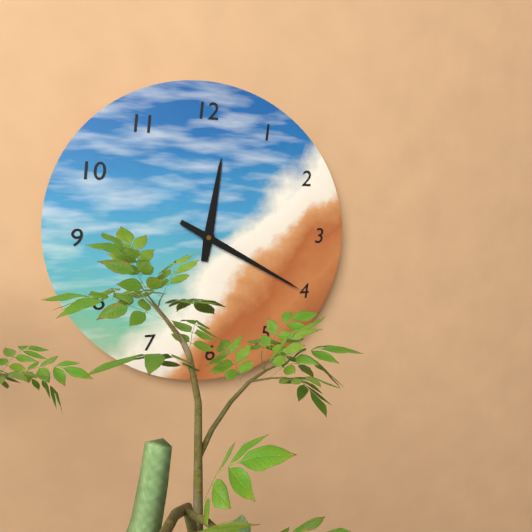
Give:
12h20
